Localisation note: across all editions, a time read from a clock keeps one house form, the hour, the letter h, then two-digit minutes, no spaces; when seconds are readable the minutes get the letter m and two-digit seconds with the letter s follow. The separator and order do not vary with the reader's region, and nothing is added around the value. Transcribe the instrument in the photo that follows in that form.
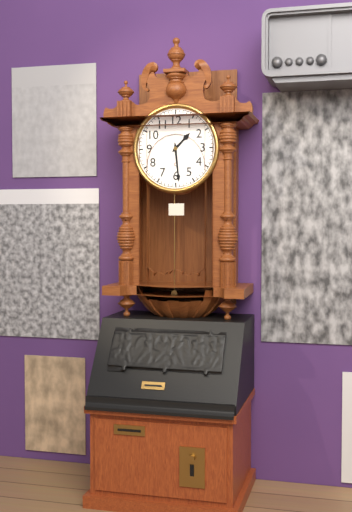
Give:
1h29
